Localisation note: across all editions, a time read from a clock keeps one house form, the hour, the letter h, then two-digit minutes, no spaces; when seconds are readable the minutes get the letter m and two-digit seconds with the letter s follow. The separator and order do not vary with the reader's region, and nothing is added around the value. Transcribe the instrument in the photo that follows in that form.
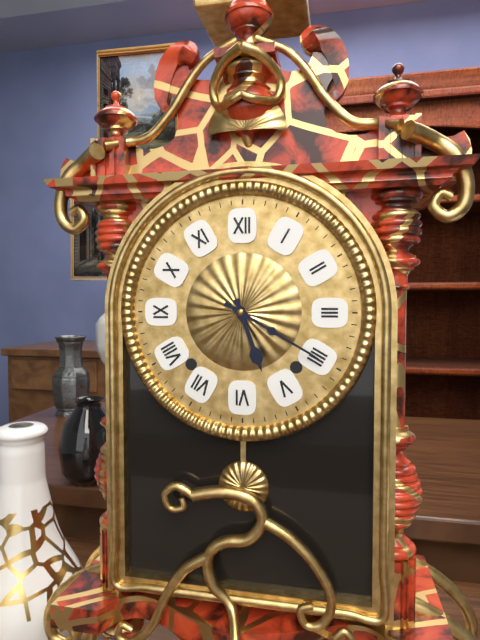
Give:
5h20
